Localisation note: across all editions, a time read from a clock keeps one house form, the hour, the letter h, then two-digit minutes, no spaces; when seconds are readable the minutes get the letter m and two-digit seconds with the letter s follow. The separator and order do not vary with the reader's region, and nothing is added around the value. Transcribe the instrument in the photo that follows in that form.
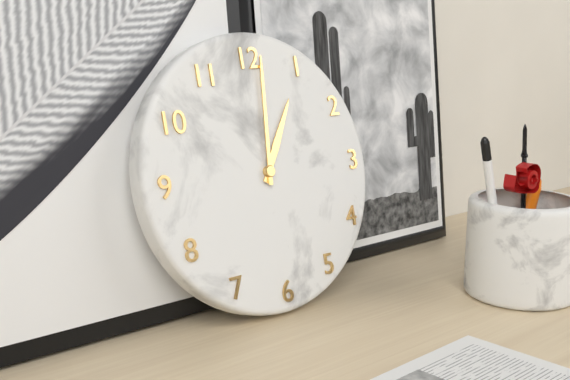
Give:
1h01
